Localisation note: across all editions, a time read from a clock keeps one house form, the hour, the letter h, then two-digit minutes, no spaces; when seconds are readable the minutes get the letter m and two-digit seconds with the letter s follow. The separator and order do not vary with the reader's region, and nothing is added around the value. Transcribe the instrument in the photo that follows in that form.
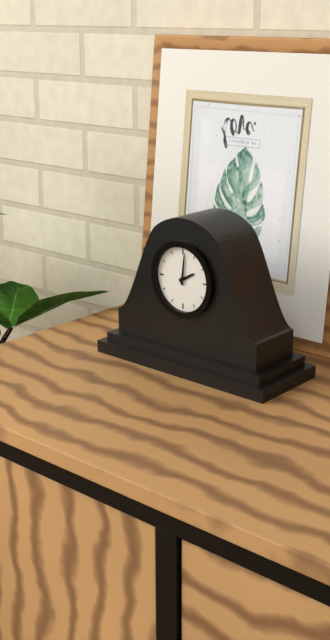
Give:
2h01
